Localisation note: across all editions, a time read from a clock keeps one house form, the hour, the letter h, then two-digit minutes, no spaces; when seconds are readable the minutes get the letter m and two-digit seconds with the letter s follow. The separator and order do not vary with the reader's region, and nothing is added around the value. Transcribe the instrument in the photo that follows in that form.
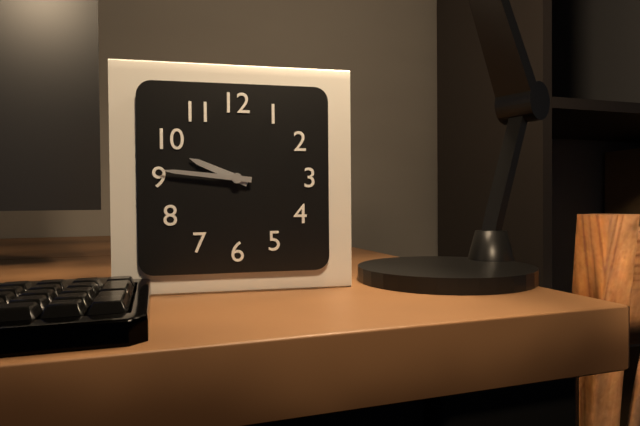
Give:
9h46
